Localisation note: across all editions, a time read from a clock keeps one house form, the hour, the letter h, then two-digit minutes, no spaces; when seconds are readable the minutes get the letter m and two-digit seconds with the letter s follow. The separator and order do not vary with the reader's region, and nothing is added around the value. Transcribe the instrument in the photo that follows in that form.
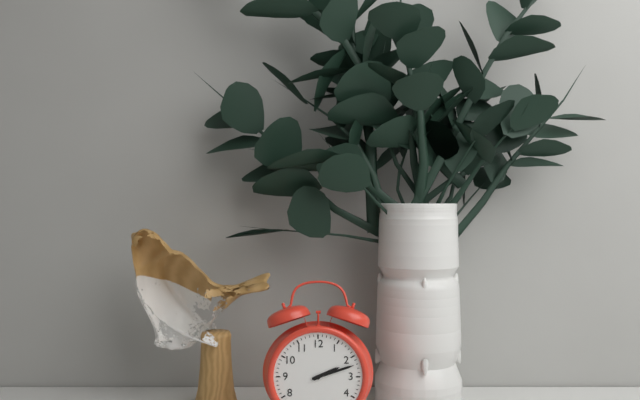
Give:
2h12
